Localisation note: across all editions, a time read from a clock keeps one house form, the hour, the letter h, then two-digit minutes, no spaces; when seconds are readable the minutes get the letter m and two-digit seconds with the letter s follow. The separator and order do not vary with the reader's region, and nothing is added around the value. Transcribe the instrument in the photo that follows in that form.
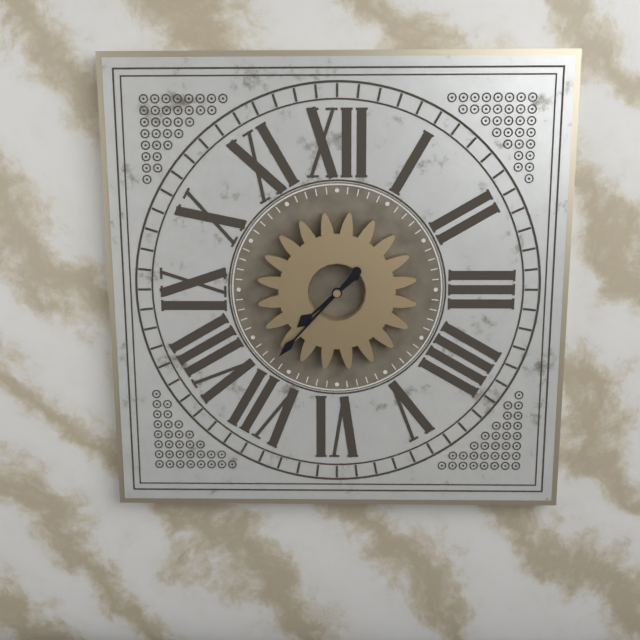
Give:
7h37
